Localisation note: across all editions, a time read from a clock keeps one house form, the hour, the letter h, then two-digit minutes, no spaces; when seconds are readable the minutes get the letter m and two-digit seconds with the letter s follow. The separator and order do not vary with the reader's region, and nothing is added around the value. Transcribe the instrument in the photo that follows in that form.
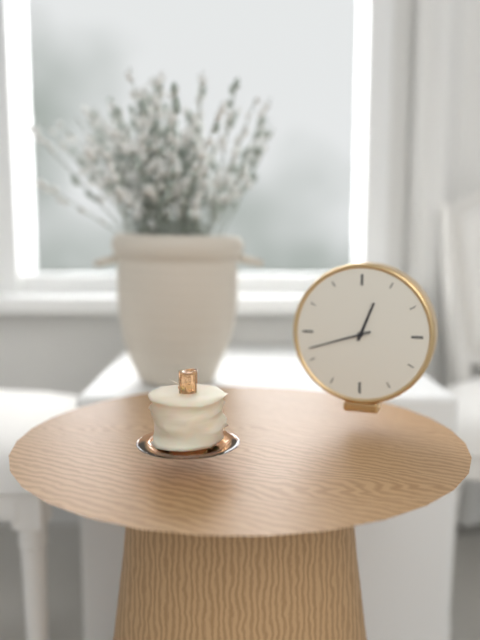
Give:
12h42
